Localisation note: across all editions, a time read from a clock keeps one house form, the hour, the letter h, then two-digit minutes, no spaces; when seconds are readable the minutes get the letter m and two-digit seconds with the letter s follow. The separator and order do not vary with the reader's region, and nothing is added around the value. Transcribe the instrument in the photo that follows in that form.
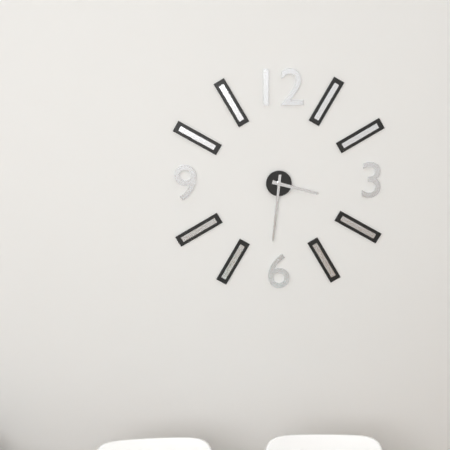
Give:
3h31
